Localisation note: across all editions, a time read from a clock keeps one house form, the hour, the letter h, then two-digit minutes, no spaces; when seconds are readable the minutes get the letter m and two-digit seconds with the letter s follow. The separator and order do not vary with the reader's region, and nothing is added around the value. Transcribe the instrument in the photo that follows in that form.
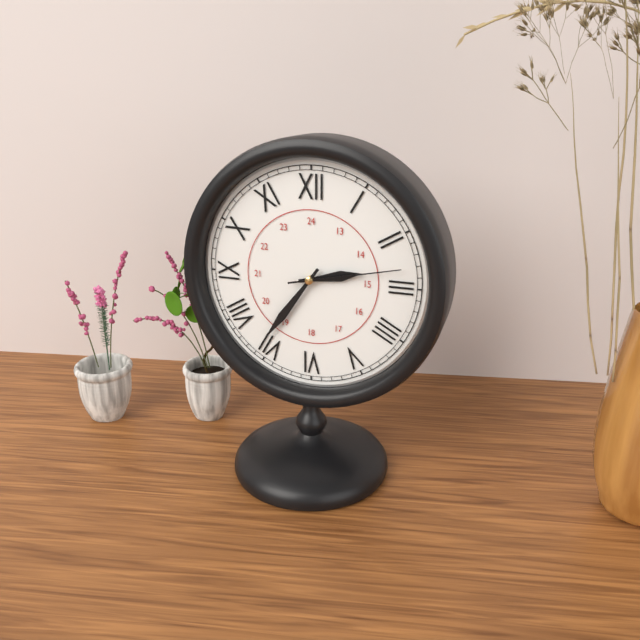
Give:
2h36m13s
